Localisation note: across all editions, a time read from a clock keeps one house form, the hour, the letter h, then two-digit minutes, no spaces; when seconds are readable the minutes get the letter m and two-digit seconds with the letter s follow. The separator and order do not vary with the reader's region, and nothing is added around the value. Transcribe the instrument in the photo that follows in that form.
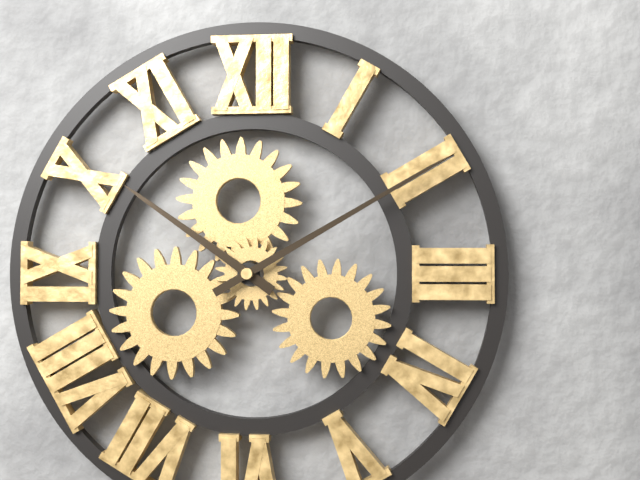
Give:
10h10
